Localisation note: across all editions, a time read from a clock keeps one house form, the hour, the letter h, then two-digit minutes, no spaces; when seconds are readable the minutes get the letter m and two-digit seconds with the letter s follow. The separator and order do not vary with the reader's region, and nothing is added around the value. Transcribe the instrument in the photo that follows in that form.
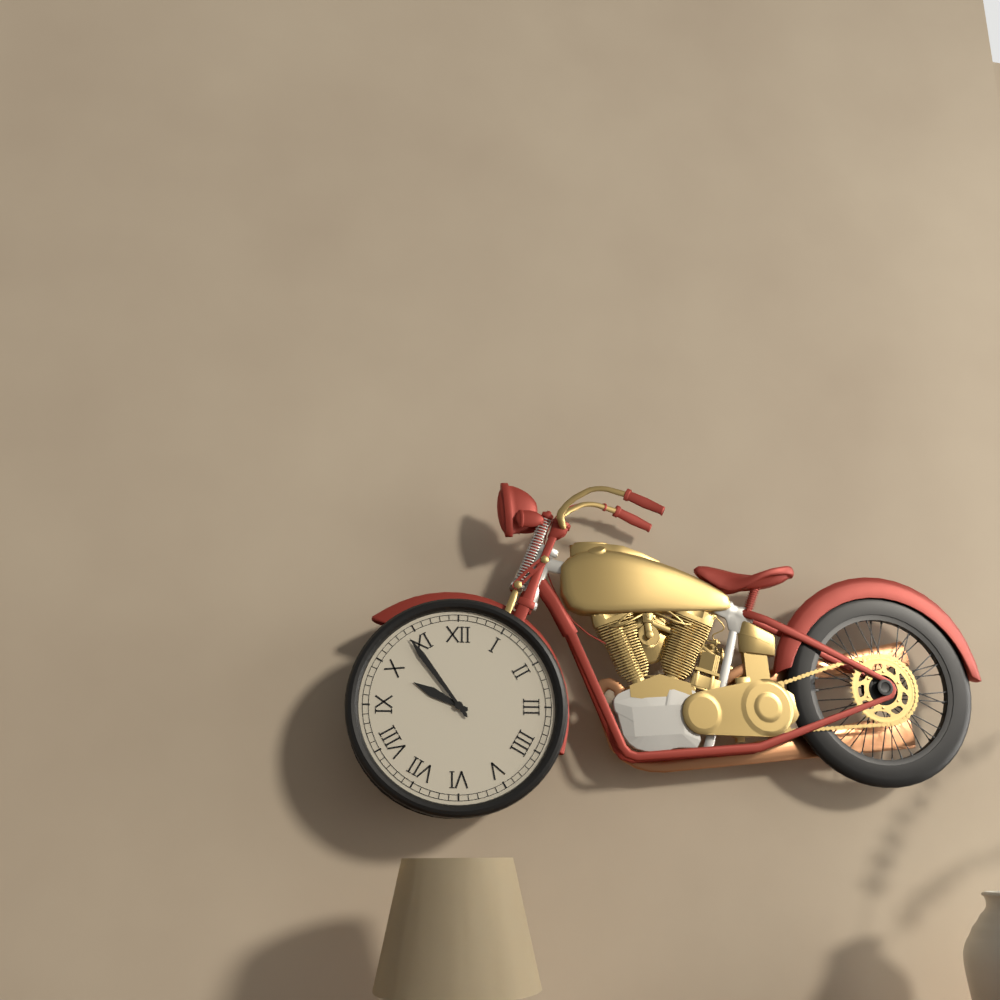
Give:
9h54
